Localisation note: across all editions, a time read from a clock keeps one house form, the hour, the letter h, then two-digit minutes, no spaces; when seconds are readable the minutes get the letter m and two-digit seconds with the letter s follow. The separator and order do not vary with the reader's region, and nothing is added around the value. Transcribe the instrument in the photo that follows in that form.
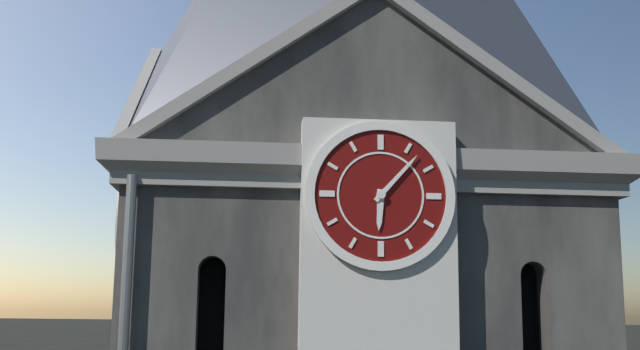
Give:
6h07
